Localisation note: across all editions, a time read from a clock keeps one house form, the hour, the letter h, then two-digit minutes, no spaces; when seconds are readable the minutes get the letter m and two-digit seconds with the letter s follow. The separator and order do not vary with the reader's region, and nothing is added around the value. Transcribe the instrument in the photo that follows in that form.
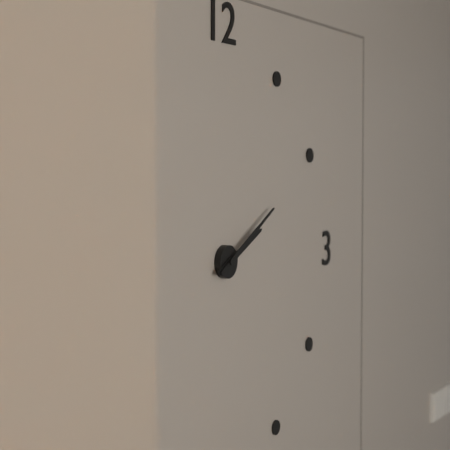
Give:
2h10
